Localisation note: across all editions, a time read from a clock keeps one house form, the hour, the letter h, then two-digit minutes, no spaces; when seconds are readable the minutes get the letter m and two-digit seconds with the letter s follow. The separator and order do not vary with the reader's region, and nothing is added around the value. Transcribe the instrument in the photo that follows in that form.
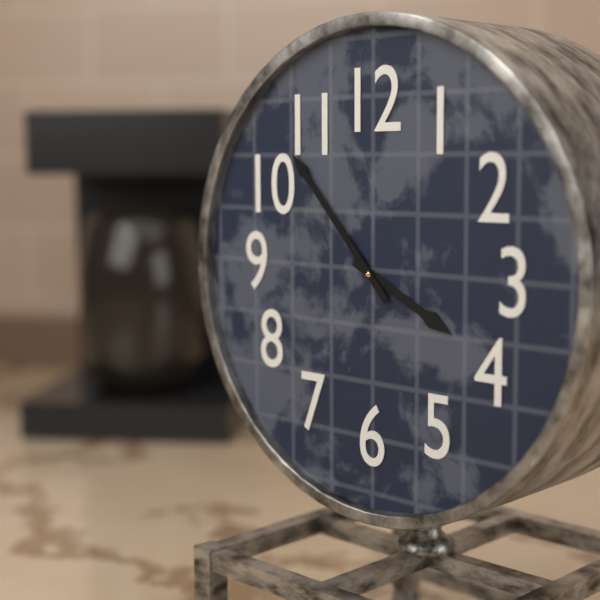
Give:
3h53
